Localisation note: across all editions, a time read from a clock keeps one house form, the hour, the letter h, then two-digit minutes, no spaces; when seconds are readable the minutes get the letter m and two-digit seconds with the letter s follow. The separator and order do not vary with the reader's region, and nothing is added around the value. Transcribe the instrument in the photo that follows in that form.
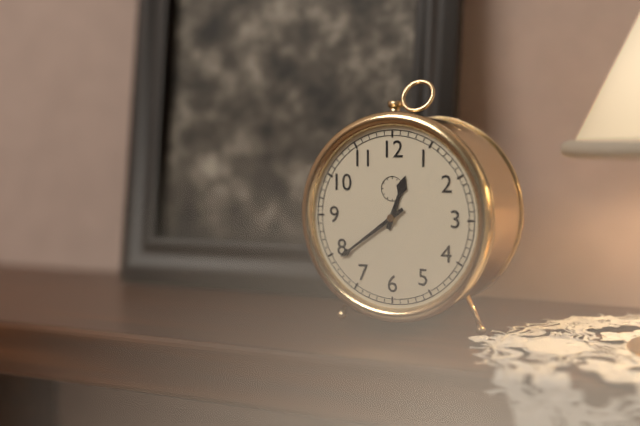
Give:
12h39
